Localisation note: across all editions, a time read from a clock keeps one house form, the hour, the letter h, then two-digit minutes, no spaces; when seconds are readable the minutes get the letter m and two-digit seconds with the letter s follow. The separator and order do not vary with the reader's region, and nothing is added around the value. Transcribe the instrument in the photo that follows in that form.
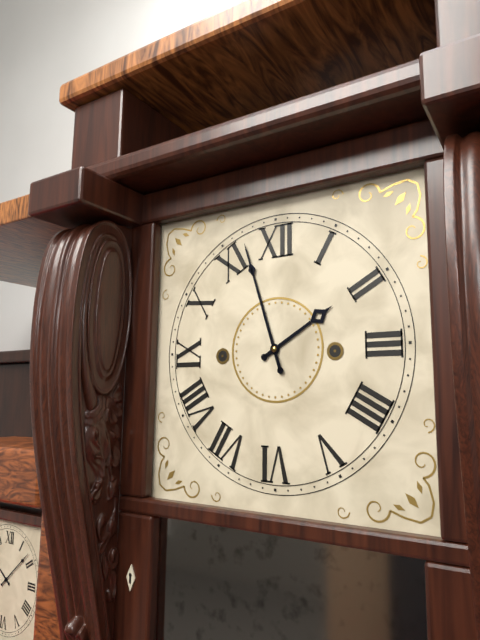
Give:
1h57
